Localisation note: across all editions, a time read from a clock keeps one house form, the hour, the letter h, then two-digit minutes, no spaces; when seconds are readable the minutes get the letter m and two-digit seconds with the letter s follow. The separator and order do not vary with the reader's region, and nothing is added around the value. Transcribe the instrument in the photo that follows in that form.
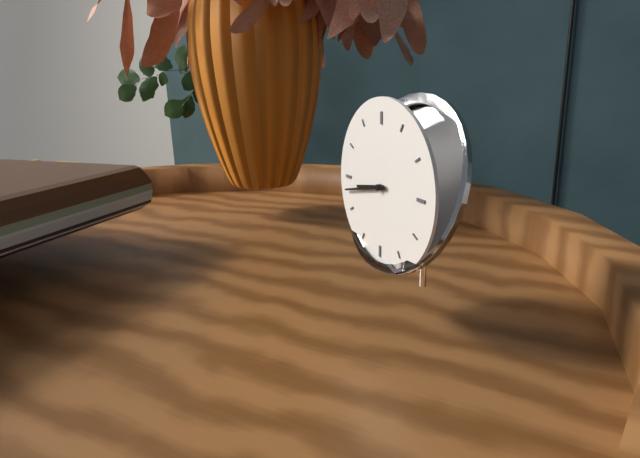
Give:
8h43
